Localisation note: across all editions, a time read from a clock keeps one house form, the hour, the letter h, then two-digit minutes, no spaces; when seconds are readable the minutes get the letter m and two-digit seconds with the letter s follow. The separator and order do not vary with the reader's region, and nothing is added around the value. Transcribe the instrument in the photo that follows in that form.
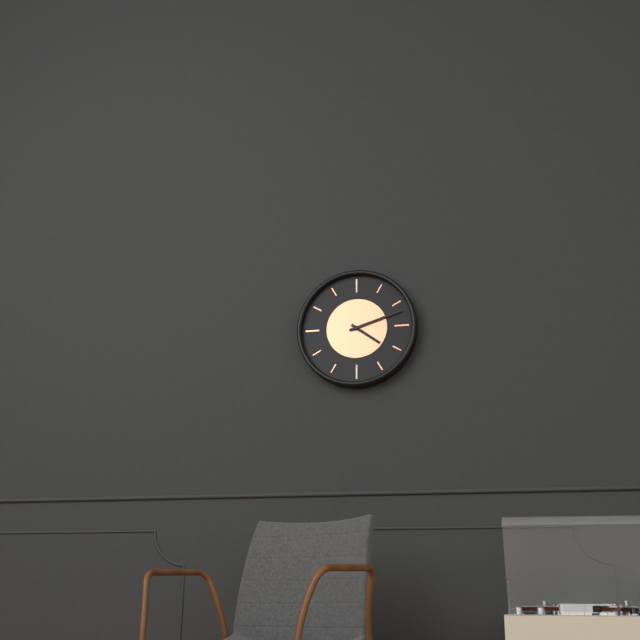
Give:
4h12
